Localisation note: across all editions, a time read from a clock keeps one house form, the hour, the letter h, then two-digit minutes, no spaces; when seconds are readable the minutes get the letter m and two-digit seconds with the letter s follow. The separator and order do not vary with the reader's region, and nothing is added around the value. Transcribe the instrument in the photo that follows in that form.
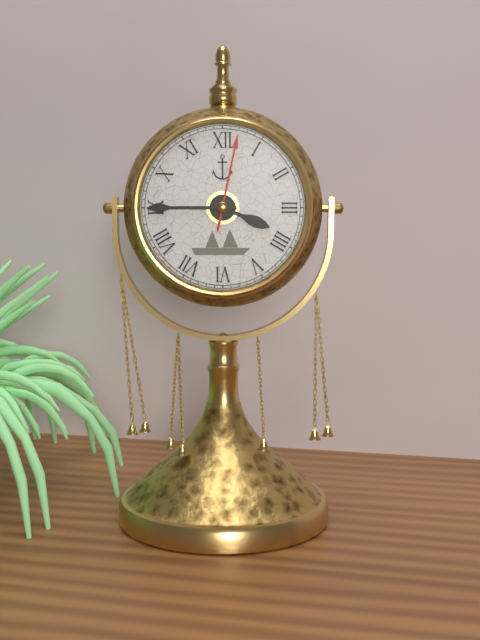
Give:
3h45m02s
